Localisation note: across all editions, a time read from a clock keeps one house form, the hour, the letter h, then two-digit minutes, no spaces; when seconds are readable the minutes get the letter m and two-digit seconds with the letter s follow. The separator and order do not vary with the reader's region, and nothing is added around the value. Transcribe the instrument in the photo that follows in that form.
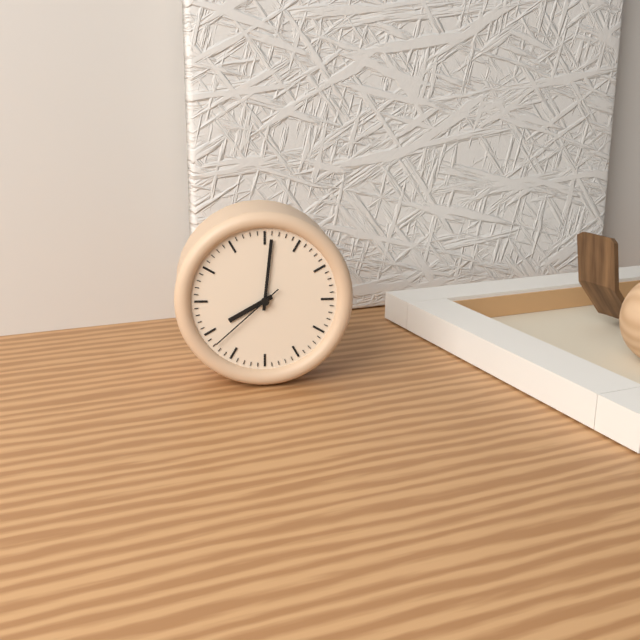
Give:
8h01m38s
